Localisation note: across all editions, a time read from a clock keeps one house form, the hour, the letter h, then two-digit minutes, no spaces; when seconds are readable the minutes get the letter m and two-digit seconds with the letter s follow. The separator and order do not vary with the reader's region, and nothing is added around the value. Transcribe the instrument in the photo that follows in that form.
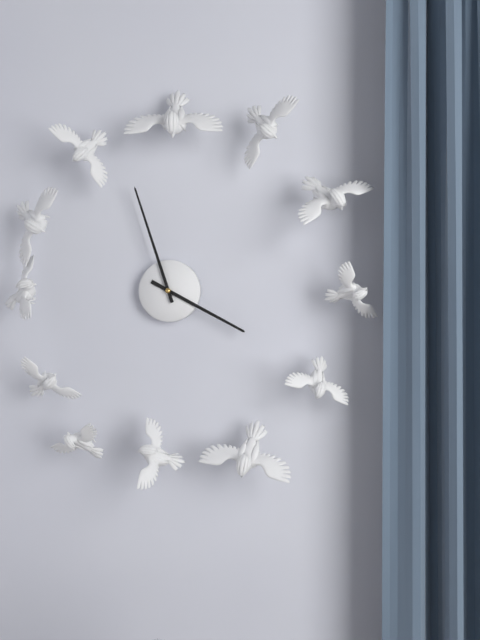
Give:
3h57
